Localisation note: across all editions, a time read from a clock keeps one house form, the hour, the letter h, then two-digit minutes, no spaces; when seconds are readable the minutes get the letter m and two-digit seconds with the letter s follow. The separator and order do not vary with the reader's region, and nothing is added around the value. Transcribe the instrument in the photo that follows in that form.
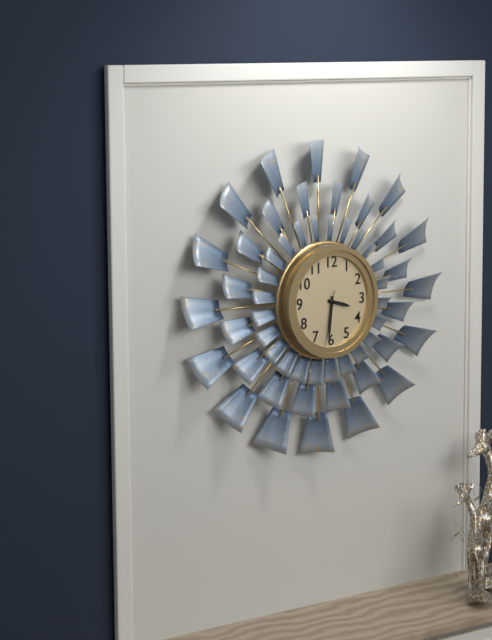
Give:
3h31m32s
